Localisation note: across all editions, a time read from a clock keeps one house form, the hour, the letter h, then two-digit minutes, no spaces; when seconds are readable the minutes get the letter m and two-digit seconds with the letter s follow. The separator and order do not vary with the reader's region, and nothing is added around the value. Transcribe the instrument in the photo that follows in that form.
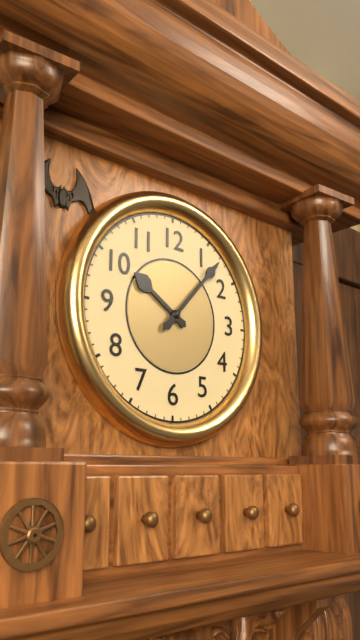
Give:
10h07
